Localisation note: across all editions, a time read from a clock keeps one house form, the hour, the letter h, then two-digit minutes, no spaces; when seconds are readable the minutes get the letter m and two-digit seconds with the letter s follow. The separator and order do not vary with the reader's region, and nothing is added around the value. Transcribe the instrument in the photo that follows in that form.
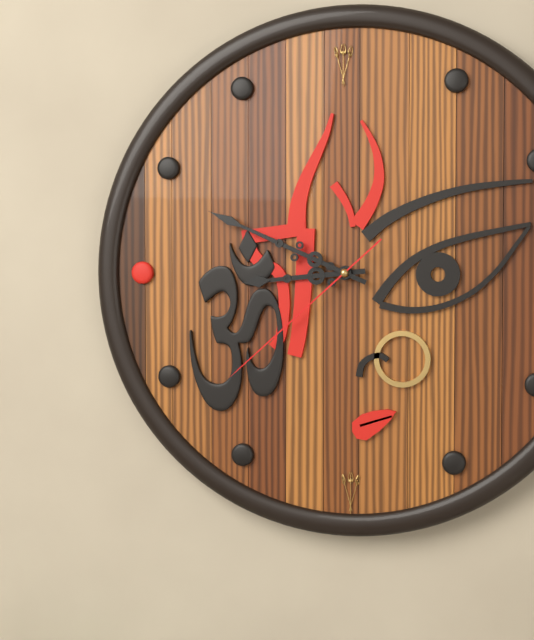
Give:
8h49m38s
